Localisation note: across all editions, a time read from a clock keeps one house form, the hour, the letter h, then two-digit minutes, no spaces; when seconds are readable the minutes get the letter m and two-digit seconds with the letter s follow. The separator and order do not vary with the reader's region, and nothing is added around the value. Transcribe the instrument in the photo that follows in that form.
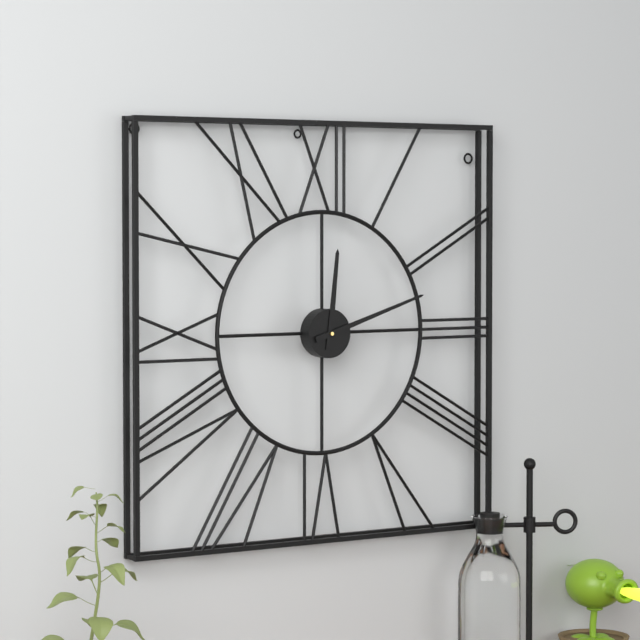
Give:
12h12
